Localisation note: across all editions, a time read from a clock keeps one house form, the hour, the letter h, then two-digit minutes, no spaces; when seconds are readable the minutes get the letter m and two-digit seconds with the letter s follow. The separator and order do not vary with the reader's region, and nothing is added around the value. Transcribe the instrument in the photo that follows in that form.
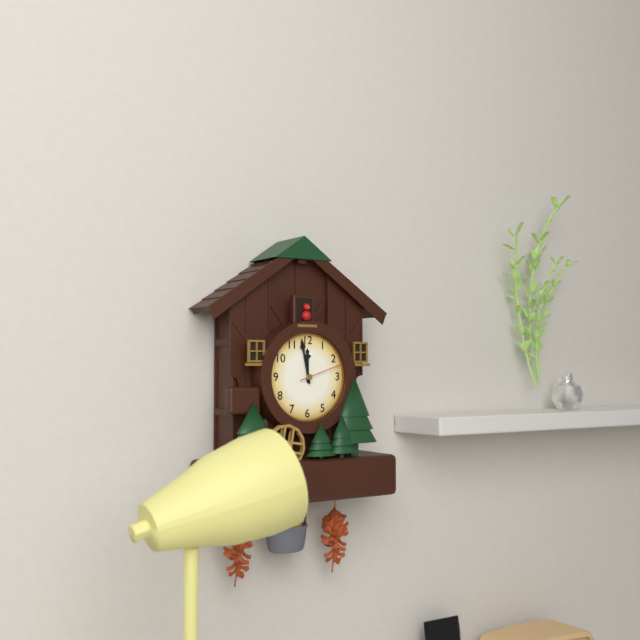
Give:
11h58
